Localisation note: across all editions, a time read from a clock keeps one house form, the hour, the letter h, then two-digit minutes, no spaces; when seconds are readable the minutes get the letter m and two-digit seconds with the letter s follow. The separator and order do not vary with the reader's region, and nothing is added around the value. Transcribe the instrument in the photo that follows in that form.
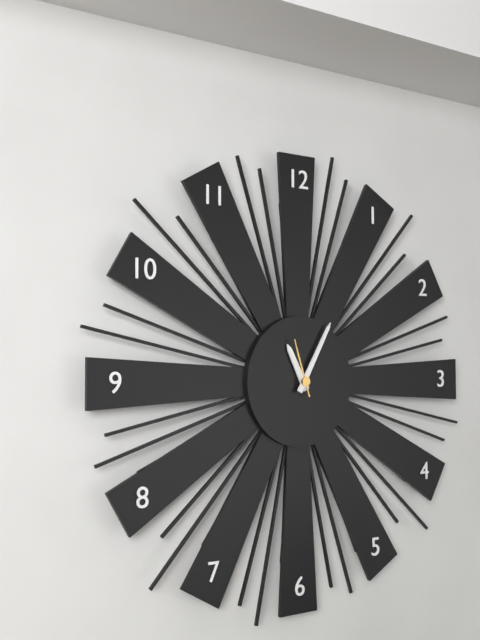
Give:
11h05m57s
